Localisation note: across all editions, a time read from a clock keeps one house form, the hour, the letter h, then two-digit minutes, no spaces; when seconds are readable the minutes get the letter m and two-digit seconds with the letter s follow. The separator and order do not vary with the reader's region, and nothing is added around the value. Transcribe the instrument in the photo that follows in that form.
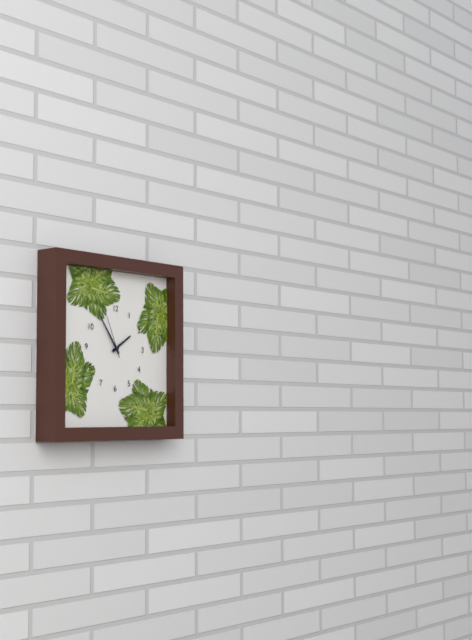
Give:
1h54
